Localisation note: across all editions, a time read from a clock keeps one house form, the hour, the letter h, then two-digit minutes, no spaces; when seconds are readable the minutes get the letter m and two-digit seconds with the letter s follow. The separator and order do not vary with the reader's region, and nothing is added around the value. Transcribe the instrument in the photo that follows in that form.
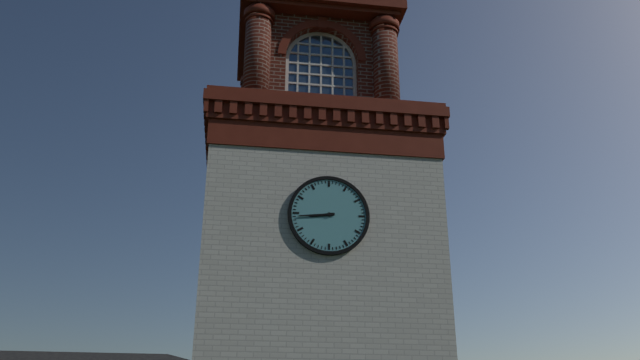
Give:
8h44
